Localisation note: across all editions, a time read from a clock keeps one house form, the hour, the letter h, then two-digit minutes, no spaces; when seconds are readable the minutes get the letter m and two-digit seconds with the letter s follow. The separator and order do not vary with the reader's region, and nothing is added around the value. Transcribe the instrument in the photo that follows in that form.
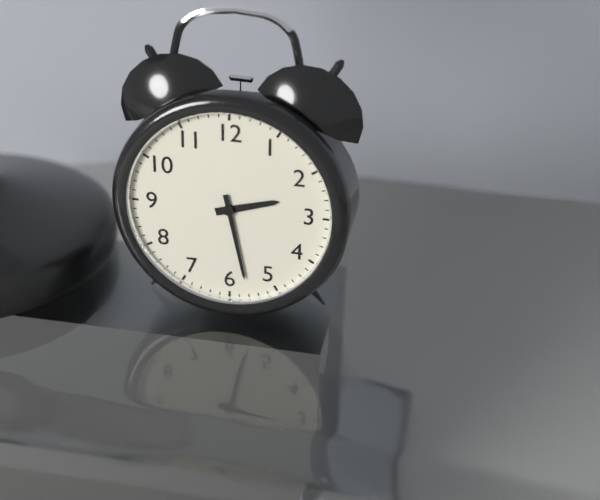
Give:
2h28
